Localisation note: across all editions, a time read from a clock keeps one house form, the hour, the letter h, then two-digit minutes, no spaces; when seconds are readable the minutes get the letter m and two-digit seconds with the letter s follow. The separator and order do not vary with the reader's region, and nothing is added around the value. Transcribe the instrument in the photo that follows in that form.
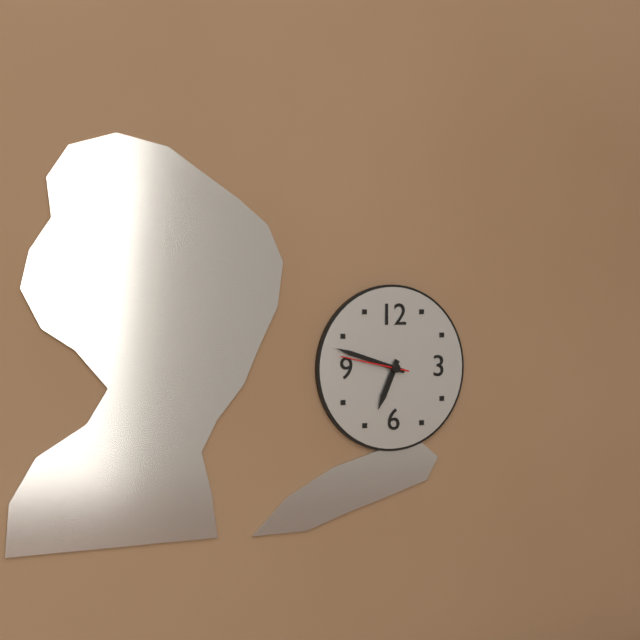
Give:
6h48m47s
